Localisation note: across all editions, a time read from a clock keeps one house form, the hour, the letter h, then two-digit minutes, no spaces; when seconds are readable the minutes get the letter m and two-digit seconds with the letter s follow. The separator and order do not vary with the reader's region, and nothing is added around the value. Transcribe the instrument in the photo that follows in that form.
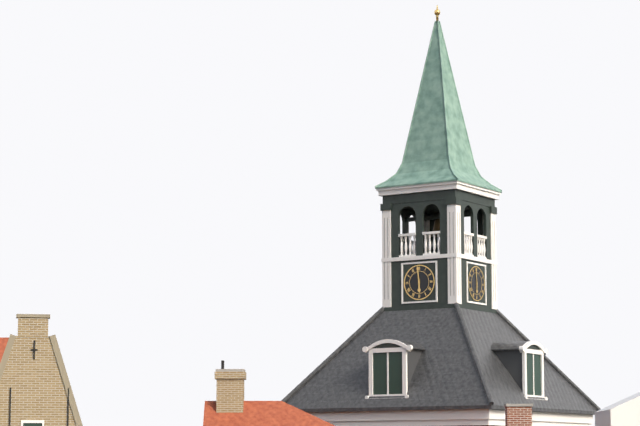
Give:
5h59
